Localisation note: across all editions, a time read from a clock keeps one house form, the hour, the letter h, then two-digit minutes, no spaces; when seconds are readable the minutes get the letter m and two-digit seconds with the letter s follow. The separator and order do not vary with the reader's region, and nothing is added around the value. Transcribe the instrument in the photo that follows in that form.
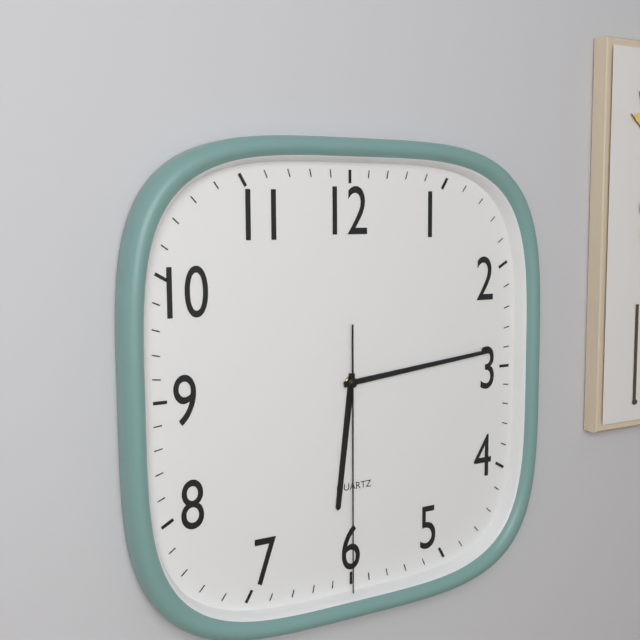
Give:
6h14m30s
